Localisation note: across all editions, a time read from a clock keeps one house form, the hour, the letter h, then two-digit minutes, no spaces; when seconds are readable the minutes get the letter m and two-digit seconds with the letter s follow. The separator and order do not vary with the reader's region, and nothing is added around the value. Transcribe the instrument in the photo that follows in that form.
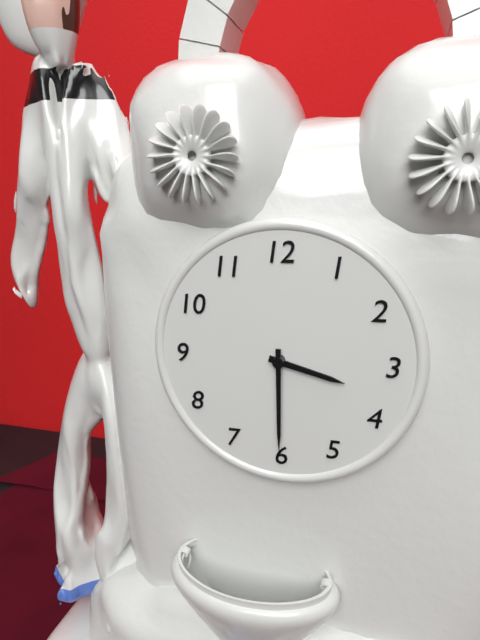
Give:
3h30
